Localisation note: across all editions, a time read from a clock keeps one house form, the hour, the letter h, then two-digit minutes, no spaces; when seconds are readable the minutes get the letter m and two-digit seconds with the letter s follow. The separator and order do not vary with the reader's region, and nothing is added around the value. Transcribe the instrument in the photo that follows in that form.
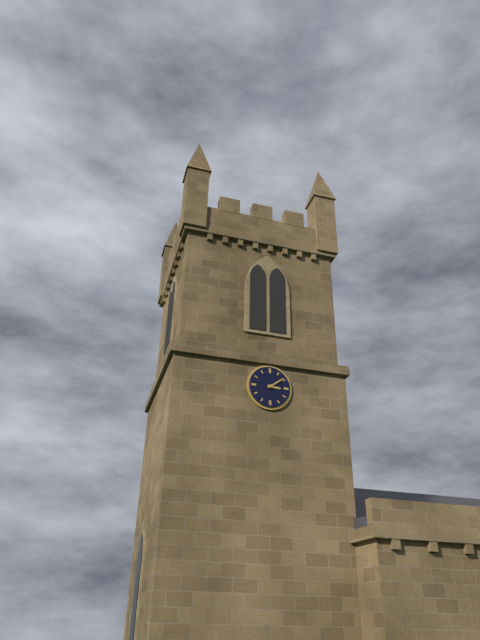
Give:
3h09
